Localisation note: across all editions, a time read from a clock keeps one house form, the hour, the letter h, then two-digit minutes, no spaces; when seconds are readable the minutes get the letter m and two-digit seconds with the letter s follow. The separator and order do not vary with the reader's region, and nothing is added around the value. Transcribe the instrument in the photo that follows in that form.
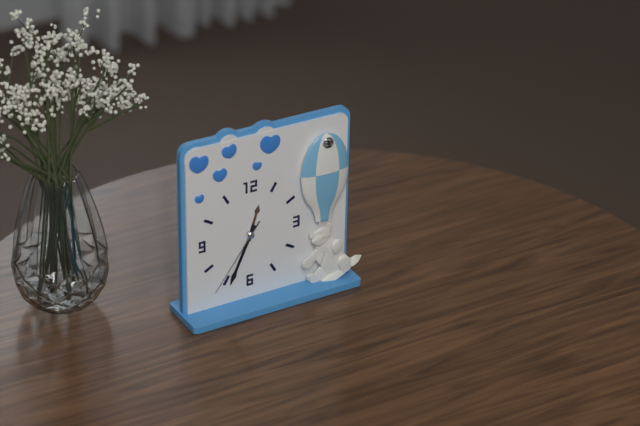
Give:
12h34m36s
